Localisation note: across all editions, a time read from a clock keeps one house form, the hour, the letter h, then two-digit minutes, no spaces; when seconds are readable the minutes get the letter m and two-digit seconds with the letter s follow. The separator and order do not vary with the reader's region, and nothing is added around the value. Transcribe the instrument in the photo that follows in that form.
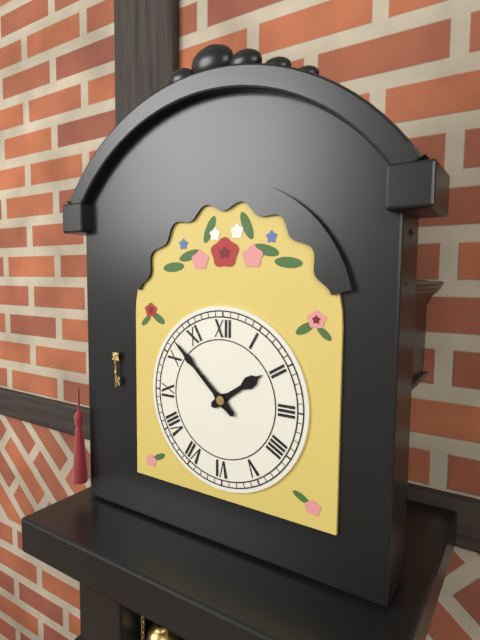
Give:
1h52
